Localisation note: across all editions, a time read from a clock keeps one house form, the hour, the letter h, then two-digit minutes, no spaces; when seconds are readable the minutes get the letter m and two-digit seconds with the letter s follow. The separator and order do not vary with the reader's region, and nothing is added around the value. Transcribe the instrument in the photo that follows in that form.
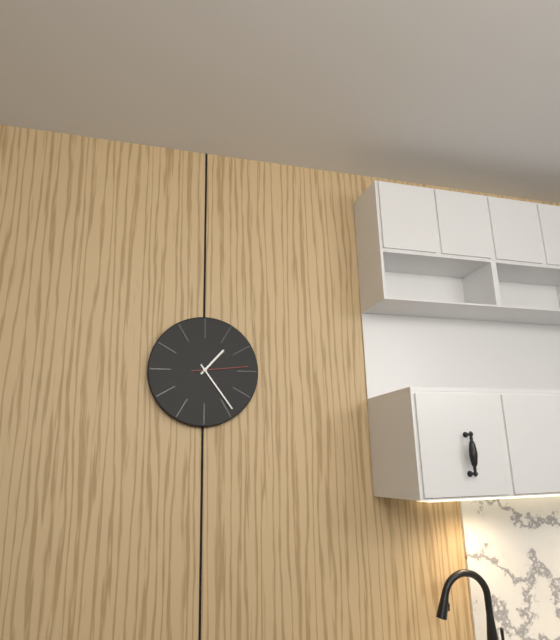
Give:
1h24m14s
